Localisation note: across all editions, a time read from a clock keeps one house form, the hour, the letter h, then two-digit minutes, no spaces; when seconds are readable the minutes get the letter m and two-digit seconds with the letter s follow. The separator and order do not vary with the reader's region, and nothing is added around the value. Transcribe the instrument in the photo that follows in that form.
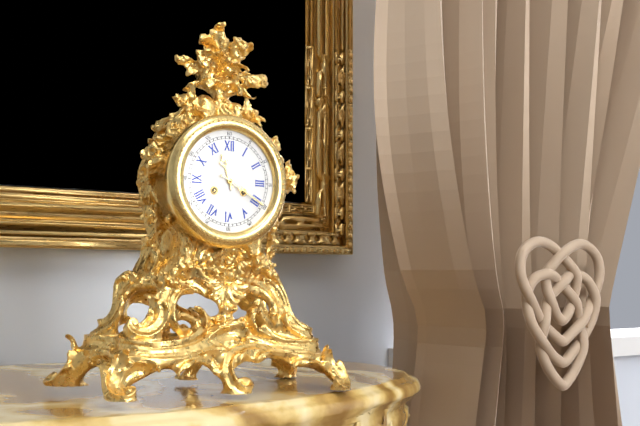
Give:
11h20
